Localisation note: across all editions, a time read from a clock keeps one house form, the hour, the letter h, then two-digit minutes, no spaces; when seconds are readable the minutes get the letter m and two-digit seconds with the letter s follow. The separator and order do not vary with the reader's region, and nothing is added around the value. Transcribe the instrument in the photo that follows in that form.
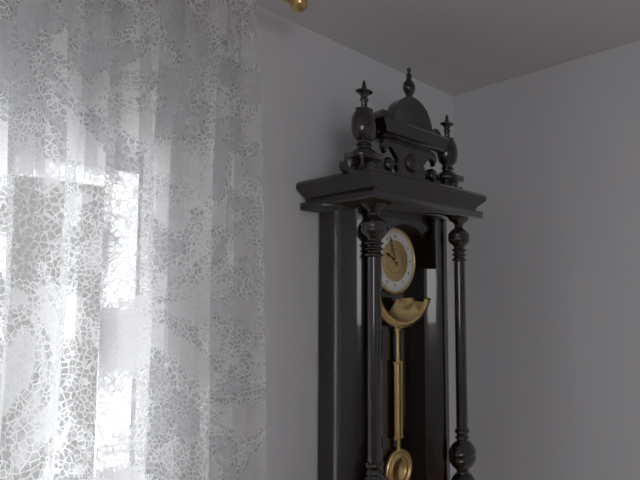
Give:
9h57
